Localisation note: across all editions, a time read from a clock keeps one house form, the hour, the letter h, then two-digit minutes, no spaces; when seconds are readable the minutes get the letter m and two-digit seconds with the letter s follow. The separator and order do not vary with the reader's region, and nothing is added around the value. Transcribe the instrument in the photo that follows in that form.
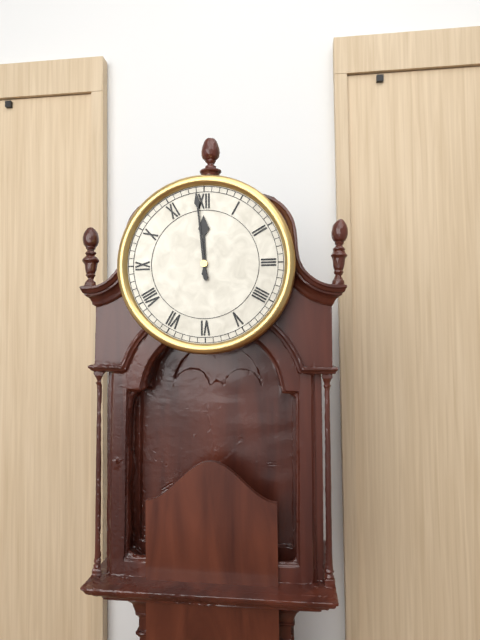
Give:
11h59
